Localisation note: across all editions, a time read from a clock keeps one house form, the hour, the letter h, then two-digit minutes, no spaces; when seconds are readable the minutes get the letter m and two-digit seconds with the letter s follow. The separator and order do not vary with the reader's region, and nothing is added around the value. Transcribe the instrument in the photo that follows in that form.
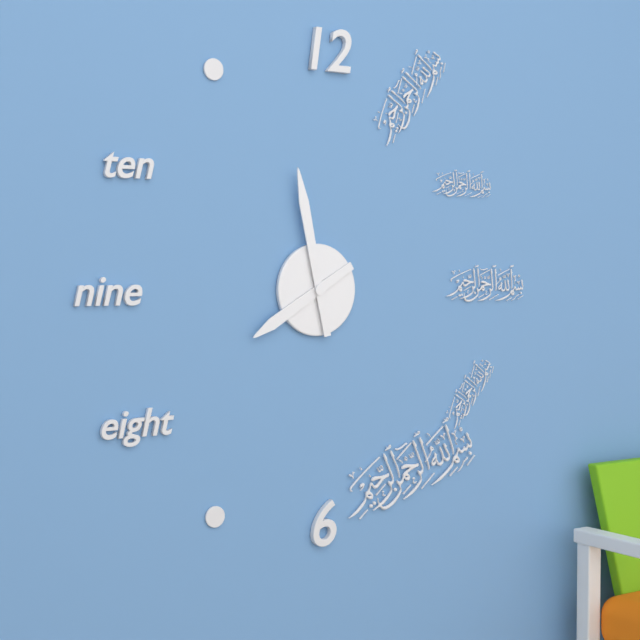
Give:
7h58
